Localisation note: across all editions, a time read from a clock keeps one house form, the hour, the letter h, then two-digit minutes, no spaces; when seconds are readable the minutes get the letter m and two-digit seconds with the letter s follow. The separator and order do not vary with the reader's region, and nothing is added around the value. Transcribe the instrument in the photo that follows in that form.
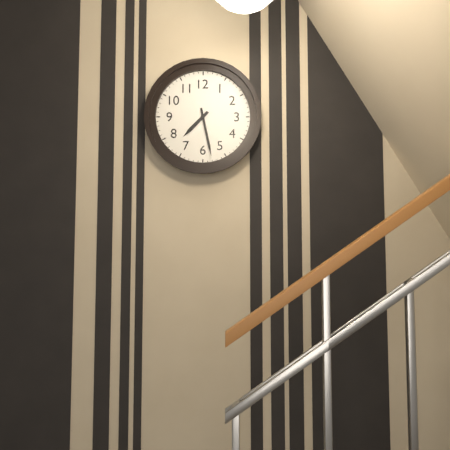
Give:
7h28
